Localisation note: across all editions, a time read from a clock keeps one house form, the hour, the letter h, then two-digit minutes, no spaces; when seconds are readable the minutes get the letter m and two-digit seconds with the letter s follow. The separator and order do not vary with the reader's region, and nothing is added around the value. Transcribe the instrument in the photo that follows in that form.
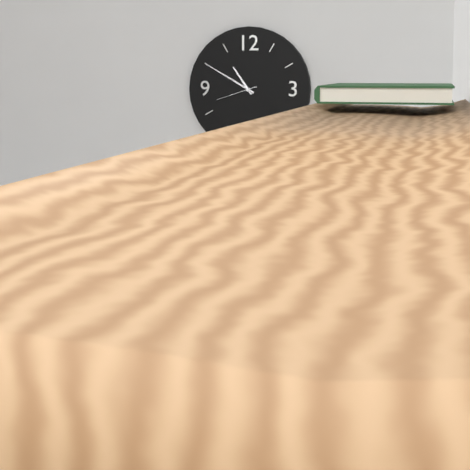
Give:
10h50
